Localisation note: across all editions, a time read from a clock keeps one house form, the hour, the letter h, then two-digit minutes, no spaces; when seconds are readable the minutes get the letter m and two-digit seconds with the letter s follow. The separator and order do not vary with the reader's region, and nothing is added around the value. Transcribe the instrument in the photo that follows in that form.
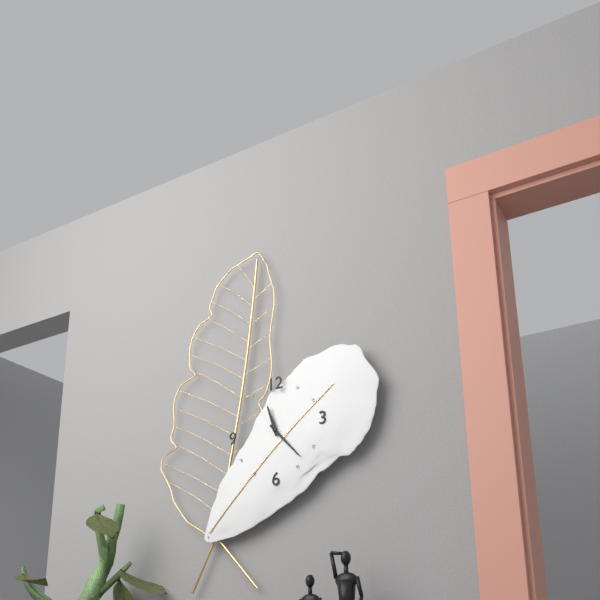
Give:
11h23
